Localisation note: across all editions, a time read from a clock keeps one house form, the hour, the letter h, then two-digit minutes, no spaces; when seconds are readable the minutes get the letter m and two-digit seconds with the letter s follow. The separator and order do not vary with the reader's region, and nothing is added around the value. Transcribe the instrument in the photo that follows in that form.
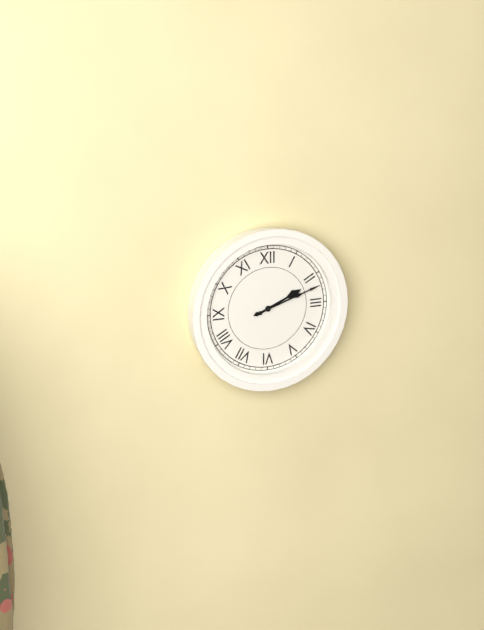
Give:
2h12
